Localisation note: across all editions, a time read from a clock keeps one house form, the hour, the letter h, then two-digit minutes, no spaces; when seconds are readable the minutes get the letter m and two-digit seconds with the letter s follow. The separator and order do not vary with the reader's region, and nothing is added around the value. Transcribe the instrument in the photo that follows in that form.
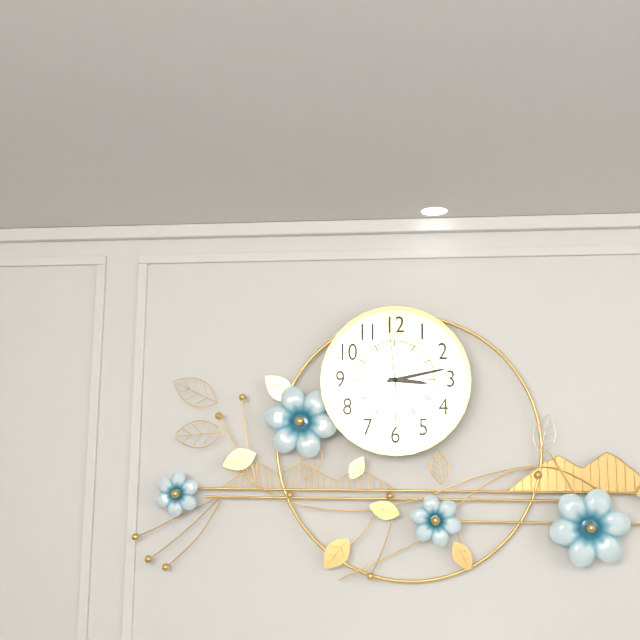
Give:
3h13m59s
